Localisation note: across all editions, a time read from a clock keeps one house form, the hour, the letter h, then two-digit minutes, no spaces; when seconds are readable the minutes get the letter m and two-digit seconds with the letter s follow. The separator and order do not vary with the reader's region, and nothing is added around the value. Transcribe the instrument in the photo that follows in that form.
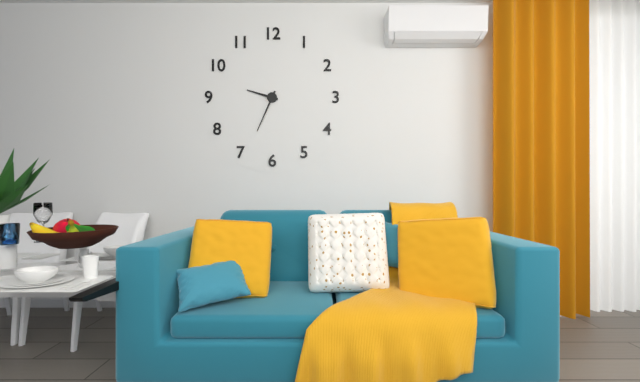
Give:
9h34
